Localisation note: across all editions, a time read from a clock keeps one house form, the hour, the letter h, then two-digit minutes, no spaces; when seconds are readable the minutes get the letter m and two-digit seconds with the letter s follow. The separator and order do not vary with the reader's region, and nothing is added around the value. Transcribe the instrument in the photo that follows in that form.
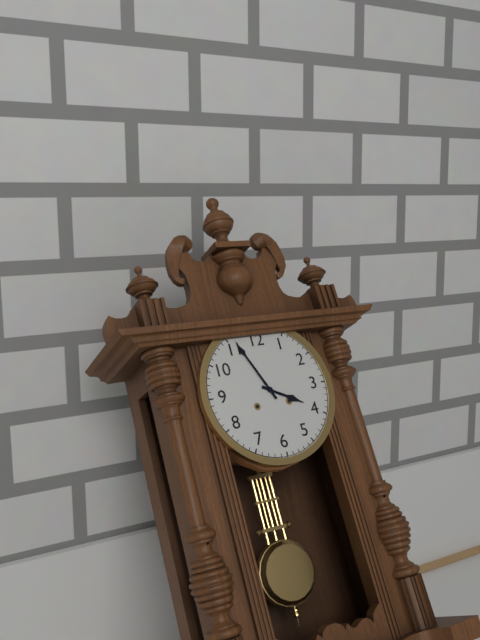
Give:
3h56
